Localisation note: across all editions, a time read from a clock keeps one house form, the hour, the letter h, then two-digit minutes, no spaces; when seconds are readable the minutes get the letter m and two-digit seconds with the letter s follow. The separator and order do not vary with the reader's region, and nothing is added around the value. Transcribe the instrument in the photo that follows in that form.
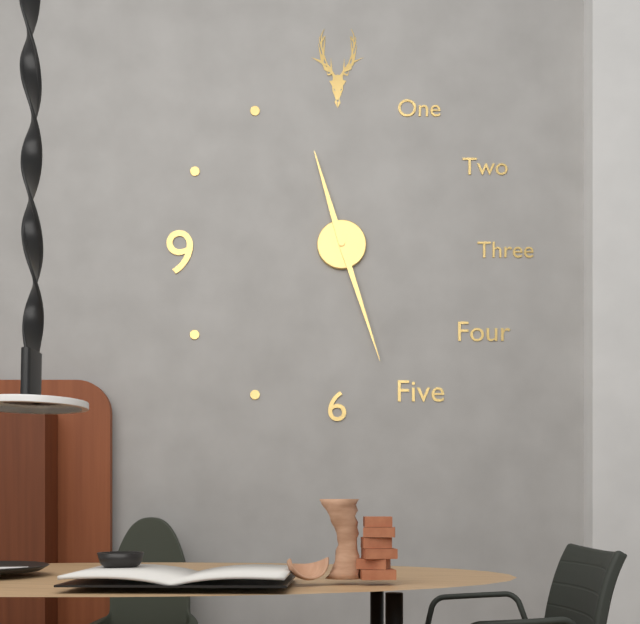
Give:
11h27
